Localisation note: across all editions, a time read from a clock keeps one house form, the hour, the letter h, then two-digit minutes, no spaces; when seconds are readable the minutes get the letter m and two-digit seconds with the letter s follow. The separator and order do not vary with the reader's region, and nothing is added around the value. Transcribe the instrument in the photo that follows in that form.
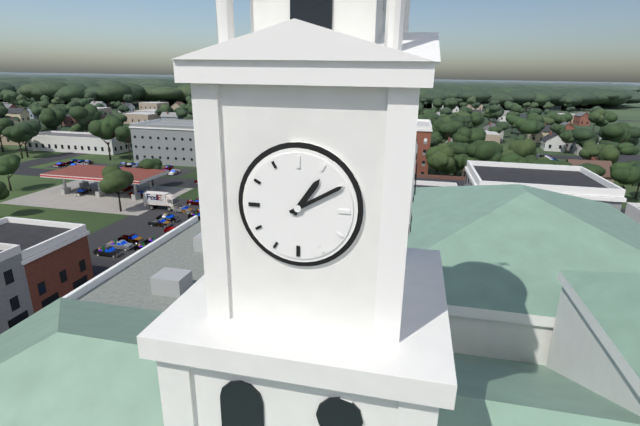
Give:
1h10
